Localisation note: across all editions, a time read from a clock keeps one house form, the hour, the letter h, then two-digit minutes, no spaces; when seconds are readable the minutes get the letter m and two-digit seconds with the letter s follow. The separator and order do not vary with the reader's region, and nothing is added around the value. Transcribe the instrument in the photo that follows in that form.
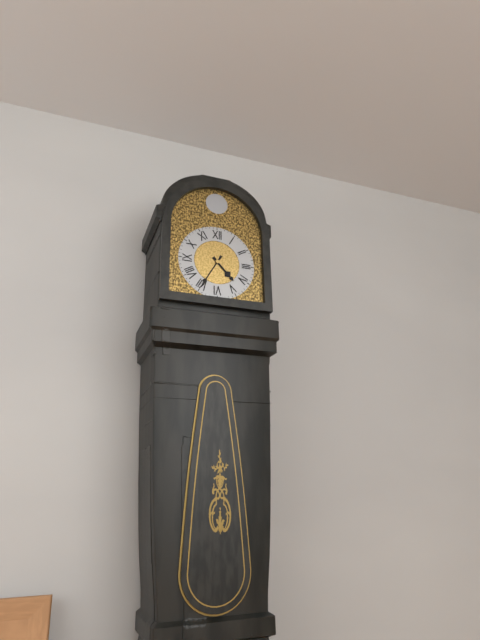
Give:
4h35
